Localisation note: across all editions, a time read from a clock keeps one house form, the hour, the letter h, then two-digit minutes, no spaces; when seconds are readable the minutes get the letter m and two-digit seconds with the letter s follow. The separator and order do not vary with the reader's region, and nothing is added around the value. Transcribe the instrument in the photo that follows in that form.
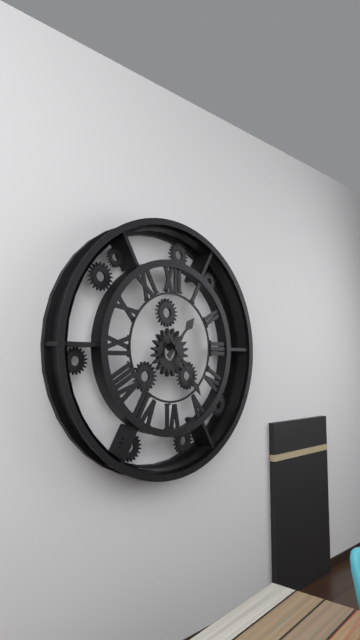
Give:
1h24
